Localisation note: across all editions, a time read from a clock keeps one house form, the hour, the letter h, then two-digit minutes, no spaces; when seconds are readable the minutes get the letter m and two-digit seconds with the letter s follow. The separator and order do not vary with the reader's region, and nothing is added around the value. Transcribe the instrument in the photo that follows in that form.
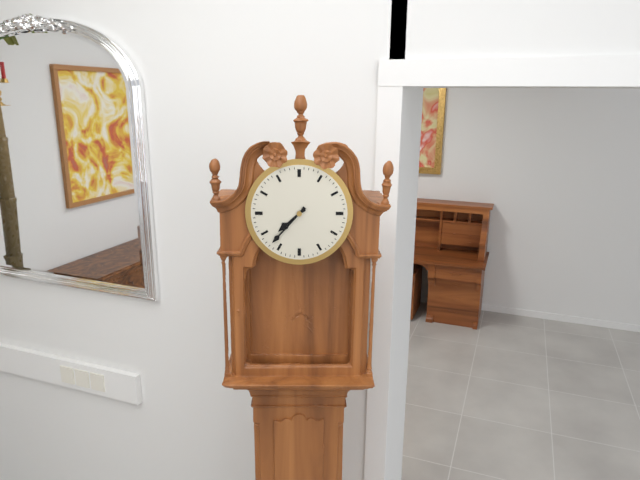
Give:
7h37
